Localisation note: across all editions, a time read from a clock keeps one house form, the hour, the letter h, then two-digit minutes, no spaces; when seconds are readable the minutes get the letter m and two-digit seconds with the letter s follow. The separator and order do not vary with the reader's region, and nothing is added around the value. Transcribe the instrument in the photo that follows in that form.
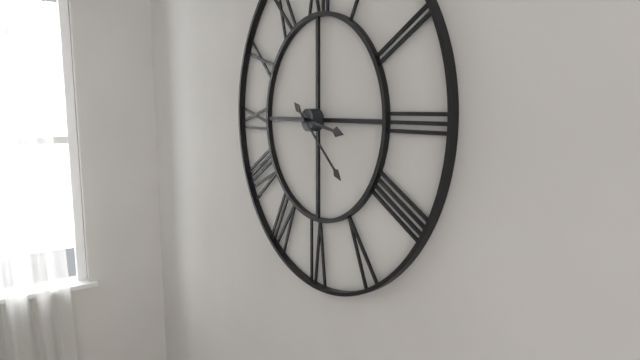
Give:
3h22
